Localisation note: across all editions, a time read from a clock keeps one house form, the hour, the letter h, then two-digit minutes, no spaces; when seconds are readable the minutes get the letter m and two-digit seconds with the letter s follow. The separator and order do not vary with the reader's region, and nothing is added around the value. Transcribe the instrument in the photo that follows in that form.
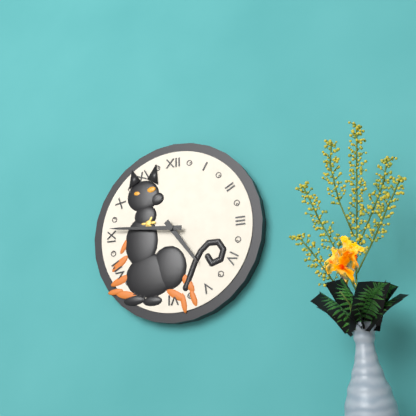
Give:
4h46
